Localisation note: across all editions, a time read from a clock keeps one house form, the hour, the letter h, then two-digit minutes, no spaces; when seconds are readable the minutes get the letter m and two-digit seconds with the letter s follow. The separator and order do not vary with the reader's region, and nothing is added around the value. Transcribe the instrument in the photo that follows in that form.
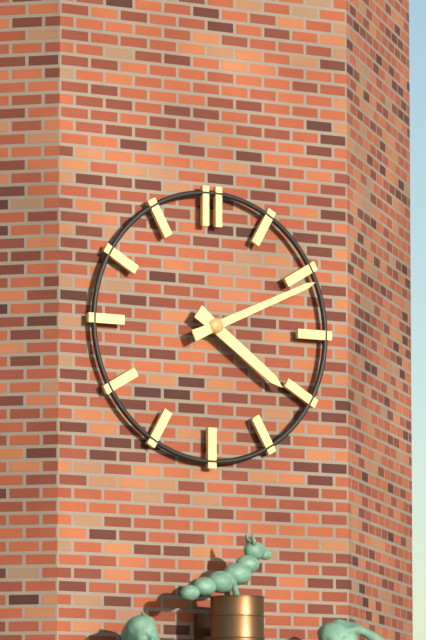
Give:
4h11
